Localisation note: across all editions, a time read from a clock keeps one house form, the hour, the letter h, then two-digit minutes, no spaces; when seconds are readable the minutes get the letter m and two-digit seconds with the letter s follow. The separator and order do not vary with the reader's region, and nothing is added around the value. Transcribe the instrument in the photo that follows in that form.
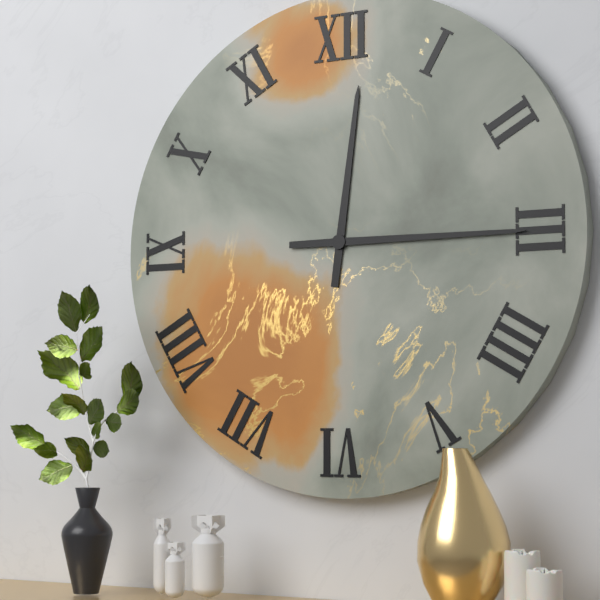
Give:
12h15
